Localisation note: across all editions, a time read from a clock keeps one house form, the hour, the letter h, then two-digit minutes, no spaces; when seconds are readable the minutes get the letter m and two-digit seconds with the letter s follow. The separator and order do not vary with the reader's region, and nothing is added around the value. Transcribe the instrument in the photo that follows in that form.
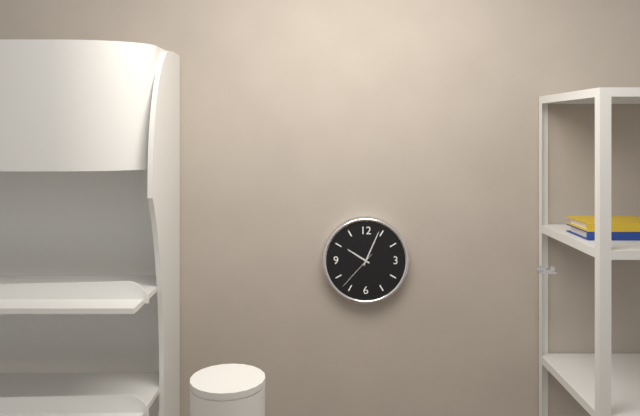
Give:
10h04
